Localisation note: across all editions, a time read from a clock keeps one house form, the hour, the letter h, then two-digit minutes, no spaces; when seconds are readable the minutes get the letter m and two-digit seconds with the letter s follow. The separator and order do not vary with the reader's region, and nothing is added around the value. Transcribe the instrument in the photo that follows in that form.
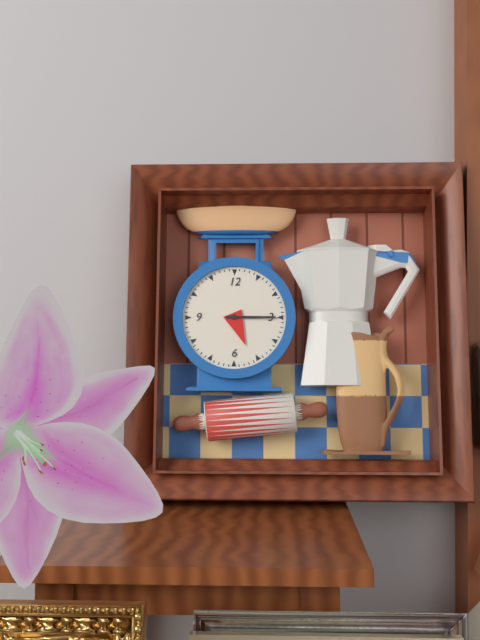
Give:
5h15
